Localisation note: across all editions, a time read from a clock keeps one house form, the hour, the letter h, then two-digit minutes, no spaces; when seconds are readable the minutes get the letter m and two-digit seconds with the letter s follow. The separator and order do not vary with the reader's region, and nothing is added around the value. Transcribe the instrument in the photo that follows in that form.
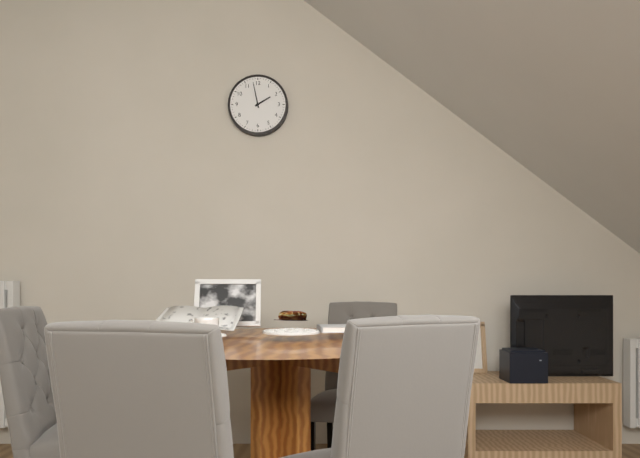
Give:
1h58
